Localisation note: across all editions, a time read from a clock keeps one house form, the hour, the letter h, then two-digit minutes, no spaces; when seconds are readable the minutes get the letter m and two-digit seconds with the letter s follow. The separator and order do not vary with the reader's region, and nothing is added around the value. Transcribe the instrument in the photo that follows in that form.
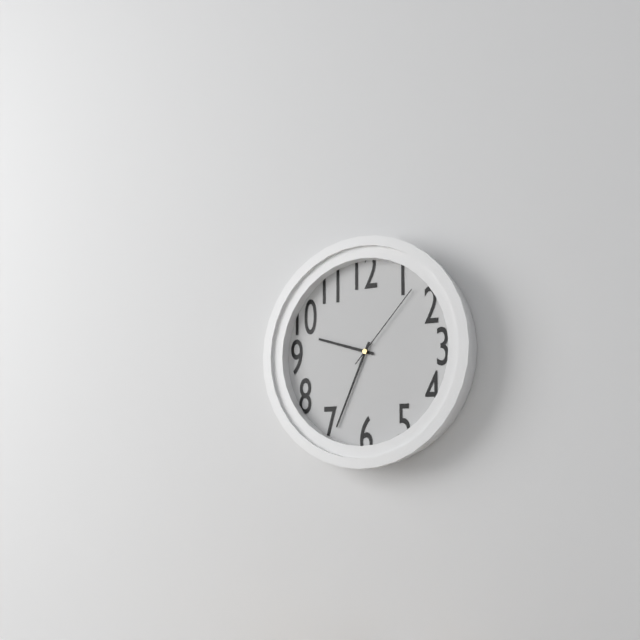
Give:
9h34m07s
